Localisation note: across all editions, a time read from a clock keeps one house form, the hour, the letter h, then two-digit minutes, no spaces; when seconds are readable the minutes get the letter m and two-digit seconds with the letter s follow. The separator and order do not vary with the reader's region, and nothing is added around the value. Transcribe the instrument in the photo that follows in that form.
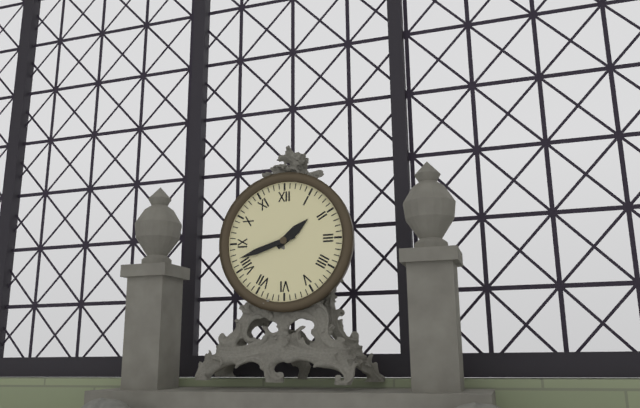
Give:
1h42
